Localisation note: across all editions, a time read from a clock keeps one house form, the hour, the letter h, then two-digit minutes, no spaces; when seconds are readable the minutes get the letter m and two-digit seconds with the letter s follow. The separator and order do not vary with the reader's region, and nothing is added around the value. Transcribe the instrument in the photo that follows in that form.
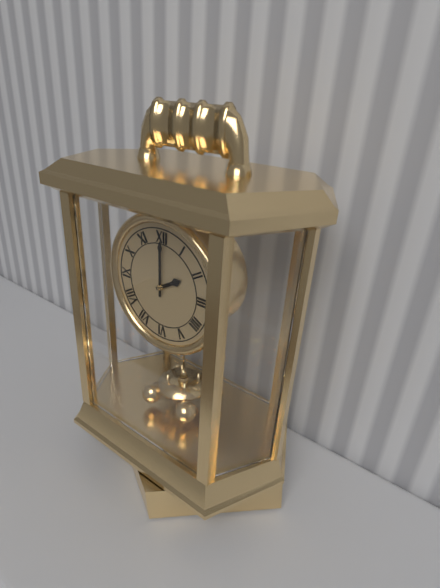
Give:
2h00
